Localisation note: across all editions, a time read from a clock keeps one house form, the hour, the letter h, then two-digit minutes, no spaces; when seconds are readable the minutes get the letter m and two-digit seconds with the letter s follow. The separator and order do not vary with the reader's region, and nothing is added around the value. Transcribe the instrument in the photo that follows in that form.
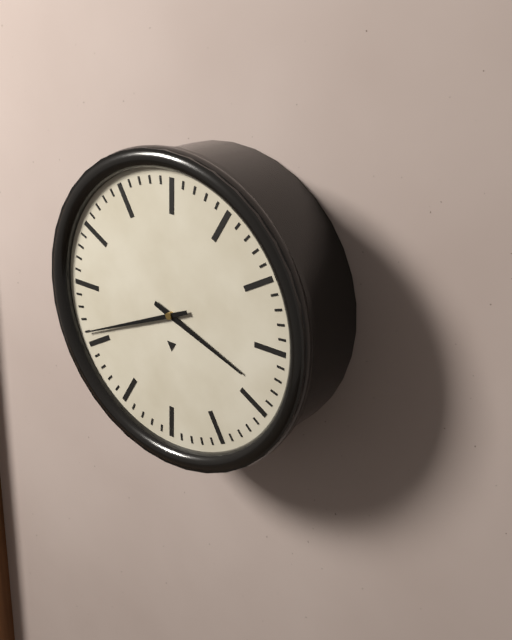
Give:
3h41
